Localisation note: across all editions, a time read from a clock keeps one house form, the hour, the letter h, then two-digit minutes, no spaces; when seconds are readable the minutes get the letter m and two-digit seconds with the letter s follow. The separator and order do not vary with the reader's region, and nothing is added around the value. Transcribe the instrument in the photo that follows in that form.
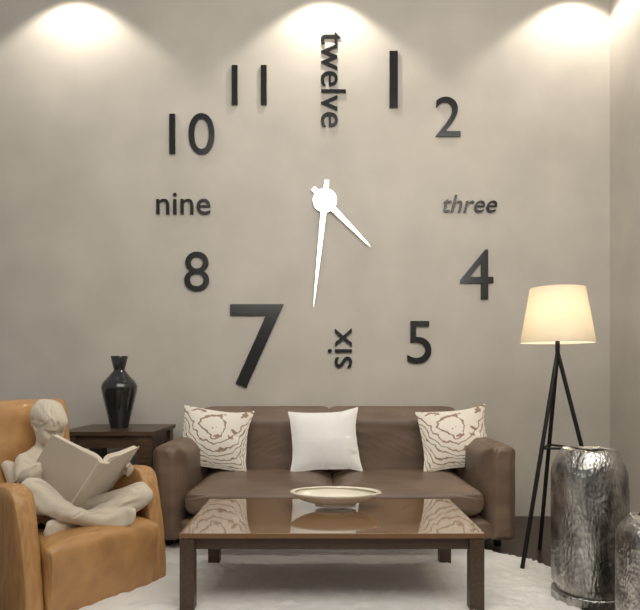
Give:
4h31
